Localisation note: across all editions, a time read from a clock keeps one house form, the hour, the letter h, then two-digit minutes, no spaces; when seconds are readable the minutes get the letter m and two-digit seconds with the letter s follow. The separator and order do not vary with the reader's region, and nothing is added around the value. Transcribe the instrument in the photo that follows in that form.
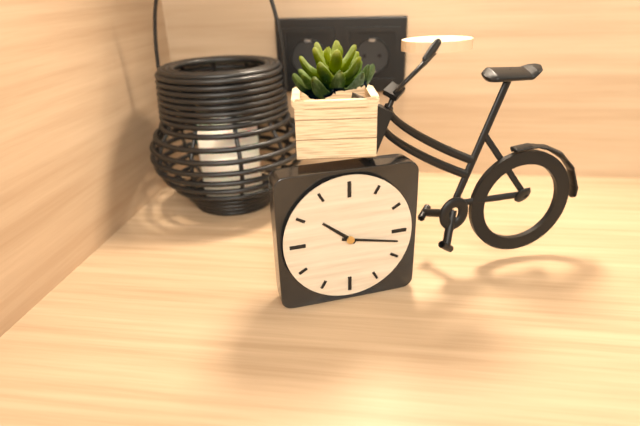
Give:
10h17
